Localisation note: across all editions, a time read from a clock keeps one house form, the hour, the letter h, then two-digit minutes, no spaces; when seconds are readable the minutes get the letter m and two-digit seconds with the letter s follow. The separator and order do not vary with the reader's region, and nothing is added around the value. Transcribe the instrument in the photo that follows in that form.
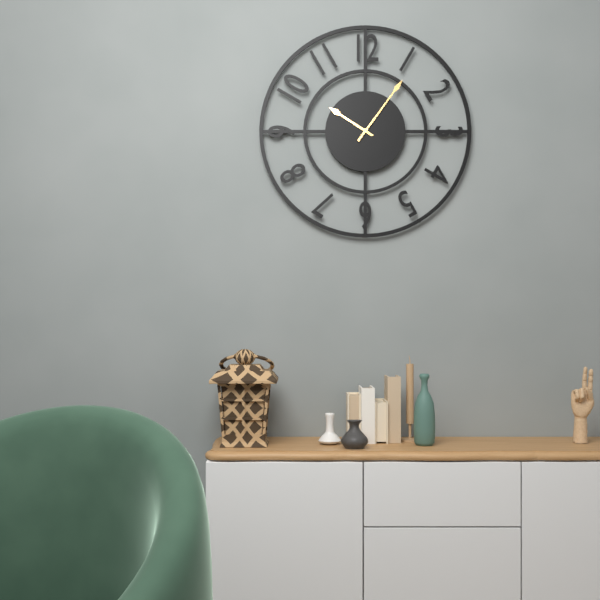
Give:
10h06
